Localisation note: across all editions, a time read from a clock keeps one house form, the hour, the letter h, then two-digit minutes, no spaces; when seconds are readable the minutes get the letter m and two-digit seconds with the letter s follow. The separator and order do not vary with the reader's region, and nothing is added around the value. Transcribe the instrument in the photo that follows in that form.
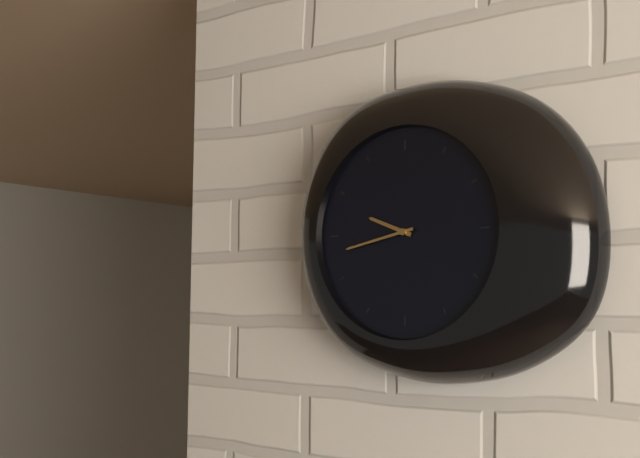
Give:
9h43
